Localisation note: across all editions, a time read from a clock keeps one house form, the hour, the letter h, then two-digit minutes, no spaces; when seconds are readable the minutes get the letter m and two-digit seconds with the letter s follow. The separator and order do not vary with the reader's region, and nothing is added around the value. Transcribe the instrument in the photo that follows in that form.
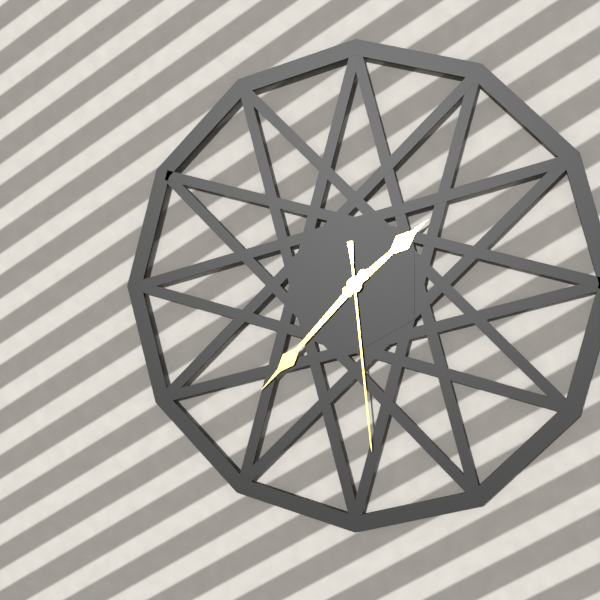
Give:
1h37m29s
